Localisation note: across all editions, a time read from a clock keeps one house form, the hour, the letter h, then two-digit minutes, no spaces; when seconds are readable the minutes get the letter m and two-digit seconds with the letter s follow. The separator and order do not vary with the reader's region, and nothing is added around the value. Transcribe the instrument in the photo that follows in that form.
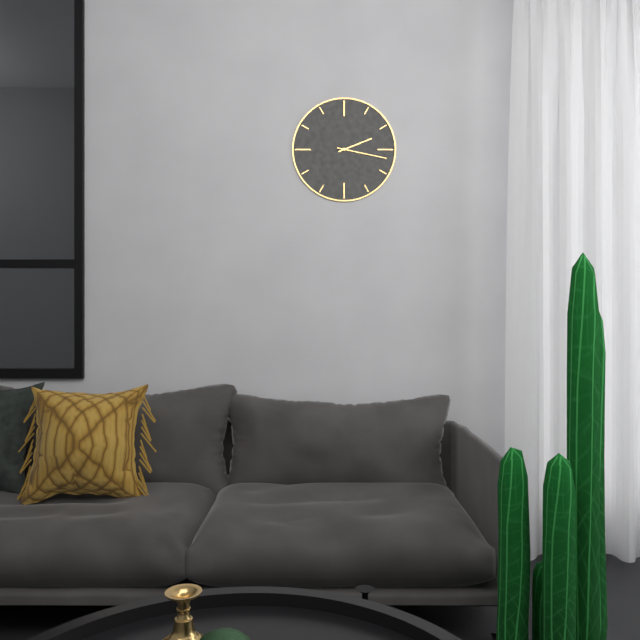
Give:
2h17
